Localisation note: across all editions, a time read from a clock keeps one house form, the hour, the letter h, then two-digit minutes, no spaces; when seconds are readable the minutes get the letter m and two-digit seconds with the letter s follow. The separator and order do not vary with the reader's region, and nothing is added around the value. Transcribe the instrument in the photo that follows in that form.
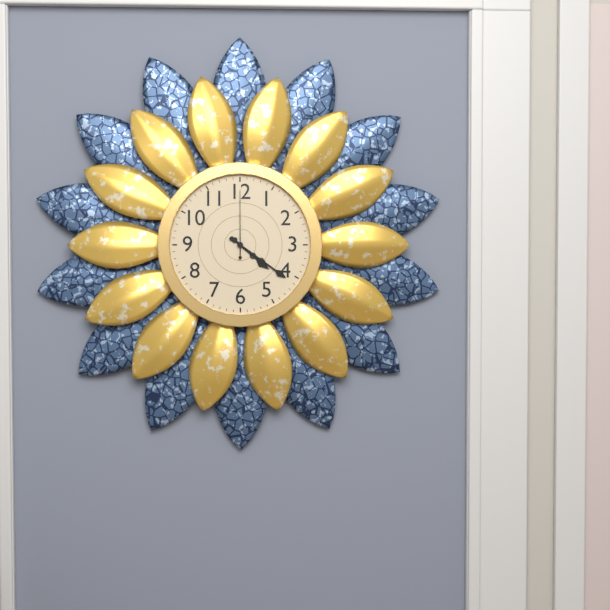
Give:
4h21m00s
